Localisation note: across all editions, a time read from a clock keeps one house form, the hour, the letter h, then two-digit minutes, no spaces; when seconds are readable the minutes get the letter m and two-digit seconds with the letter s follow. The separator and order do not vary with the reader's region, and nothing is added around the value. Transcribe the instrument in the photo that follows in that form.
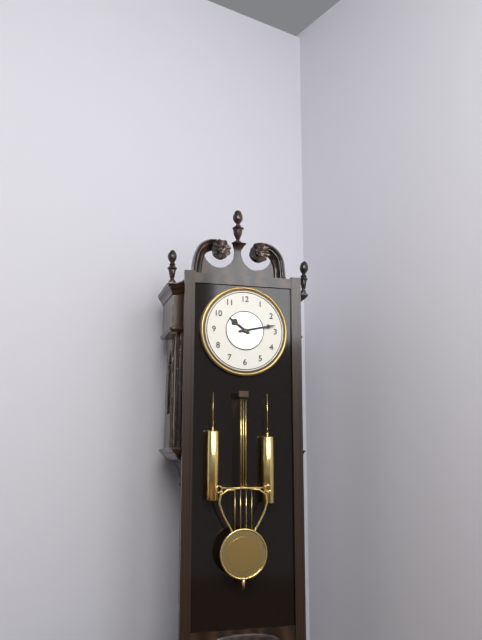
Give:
10h13
